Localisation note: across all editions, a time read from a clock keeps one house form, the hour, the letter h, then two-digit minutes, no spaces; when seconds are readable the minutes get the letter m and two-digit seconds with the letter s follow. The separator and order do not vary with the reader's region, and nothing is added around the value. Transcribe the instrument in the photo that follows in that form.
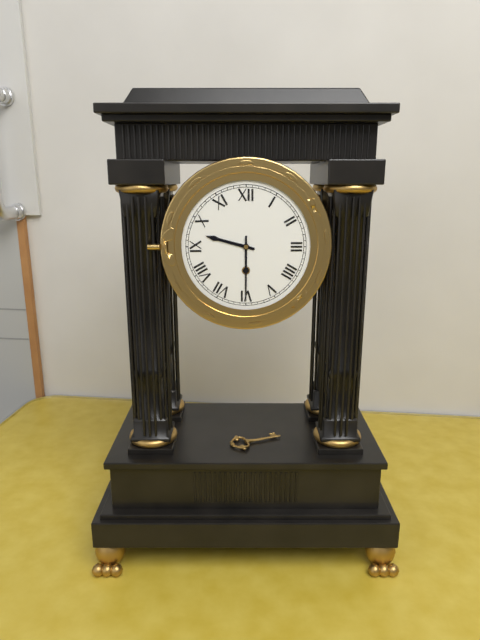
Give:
9h30
